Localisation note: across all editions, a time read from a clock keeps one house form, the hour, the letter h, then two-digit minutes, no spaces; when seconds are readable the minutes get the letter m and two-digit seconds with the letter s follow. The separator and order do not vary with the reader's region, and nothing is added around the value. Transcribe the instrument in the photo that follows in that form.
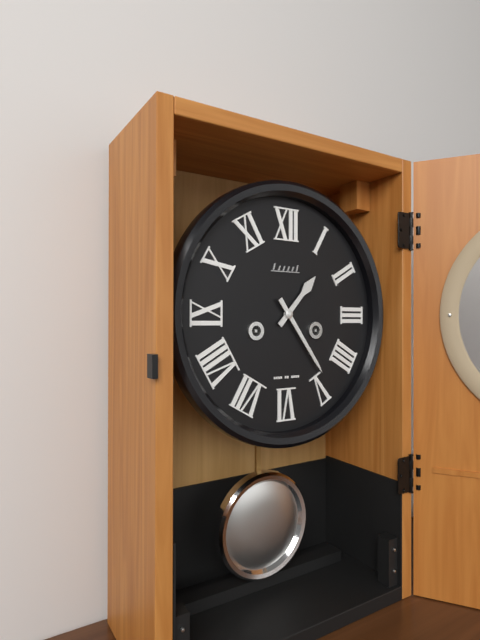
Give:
1h24
